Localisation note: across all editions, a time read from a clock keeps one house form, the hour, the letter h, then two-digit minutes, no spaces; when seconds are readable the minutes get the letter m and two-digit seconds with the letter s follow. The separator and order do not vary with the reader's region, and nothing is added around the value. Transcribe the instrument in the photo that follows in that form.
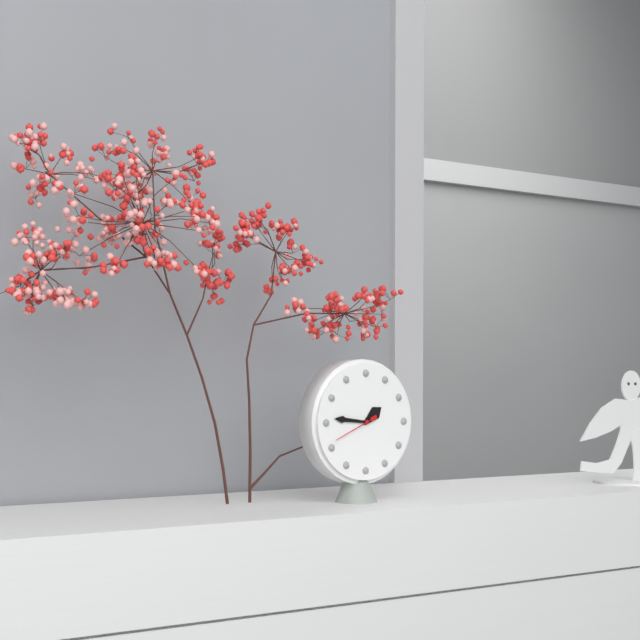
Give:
1h46
